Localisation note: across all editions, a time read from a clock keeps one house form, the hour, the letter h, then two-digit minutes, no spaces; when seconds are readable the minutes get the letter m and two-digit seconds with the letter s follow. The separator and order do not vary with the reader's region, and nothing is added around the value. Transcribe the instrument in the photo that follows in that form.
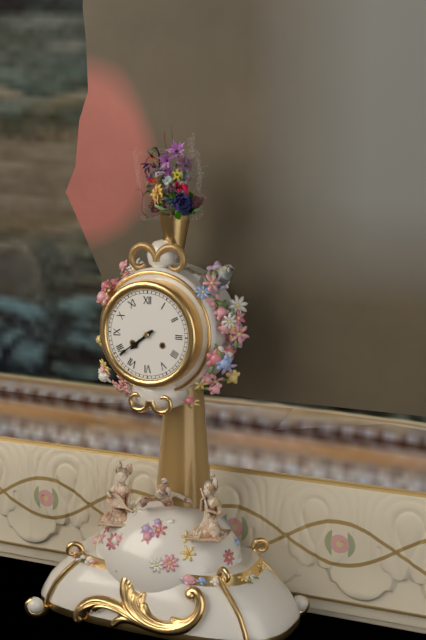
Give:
7h39
